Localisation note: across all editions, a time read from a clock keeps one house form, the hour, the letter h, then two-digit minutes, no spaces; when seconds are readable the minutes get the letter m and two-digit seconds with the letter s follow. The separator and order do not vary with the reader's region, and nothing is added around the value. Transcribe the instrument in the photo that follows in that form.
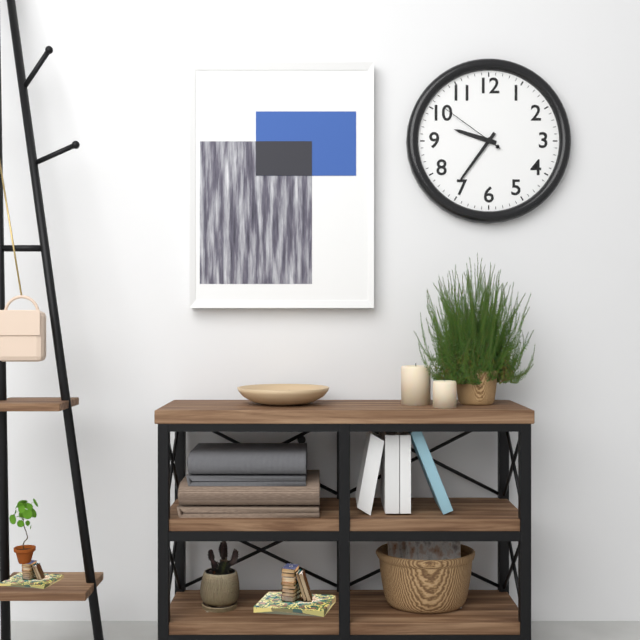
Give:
9h36m51s
